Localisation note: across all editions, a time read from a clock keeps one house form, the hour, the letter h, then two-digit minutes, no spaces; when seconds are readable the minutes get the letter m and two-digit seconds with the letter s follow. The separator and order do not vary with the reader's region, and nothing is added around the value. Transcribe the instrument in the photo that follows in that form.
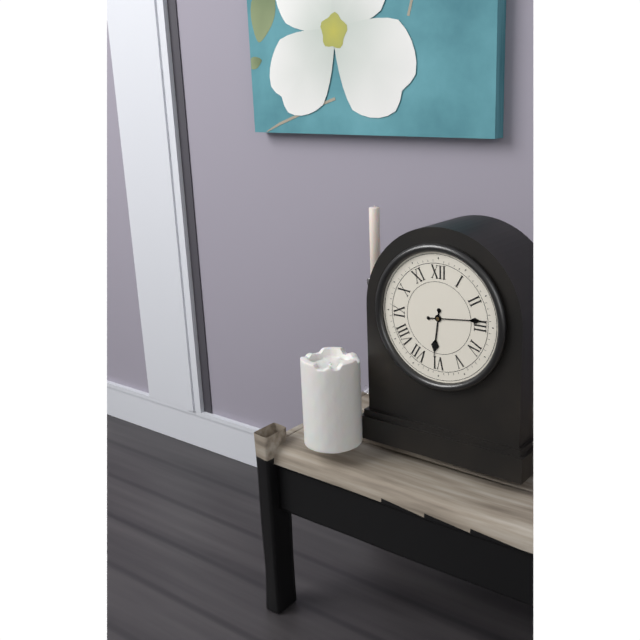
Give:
6h14
